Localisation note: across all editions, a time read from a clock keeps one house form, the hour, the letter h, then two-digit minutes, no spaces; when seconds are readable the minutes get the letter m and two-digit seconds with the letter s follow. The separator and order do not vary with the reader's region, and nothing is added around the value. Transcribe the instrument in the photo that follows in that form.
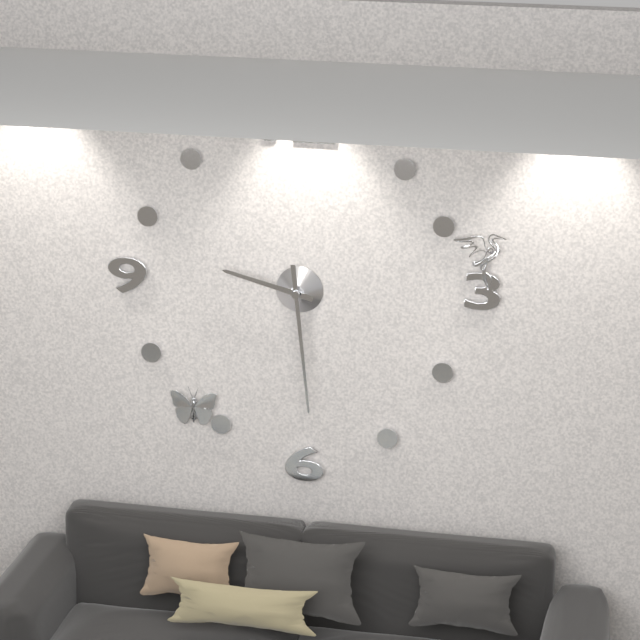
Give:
9h29
